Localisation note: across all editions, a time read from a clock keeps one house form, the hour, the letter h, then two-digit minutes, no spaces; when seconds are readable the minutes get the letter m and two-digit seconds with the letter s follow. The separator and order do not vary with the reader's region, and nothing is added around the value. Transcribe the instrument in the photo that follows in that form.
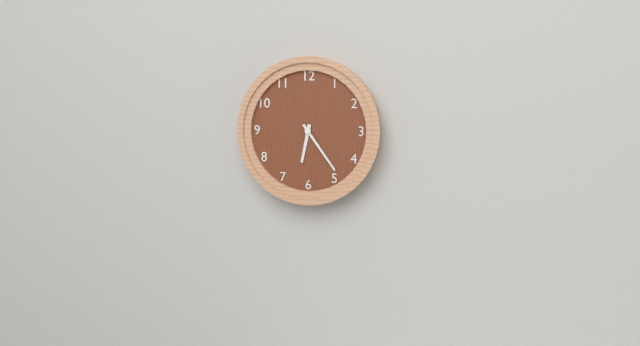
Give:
6h24
